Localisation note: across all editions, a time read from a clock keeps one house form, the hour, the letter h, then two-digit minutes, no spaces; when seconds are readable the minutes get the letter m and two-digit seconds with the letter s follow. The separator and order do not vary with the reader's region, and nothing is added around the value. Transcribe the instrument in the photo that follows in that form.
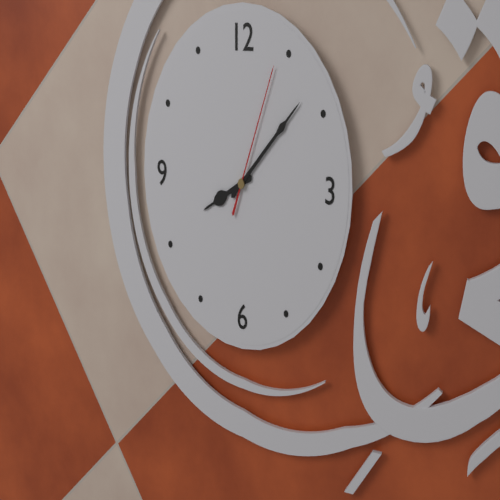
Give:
8h08m04s
